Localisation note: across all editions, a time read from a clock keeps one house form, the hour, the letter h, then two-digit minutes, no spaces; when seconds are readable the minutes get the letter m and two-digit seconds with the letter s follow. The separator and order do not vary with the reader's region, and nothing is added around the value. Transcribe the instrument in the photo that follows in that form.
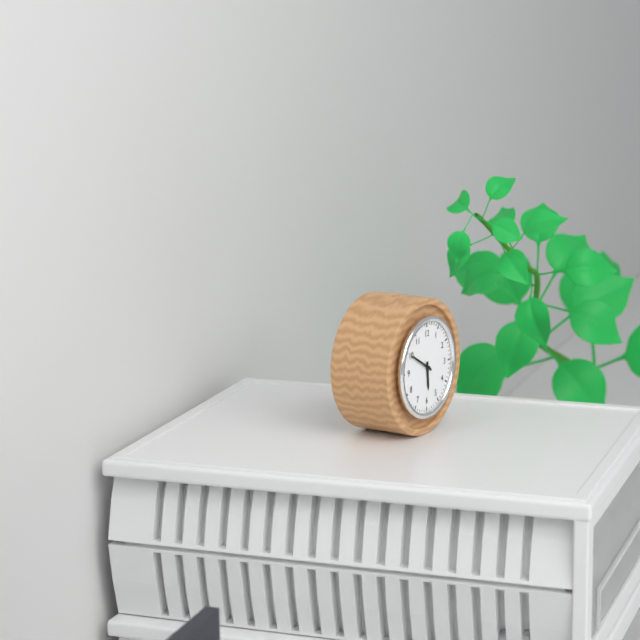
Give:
5h50
